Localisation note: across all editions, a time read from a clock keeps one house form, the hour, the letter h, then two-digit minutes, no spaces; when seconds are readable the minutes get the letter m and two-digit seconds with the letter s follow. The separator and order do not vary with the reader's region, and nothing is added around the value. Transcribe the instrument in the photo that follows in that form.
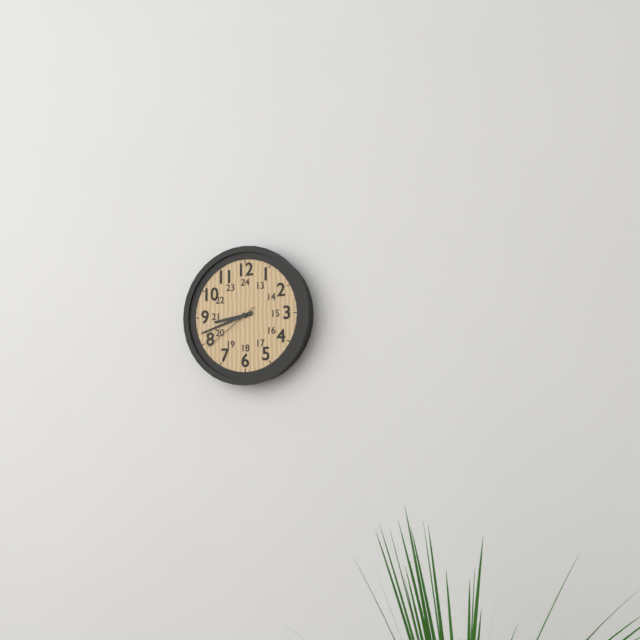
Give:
8h42m39s
